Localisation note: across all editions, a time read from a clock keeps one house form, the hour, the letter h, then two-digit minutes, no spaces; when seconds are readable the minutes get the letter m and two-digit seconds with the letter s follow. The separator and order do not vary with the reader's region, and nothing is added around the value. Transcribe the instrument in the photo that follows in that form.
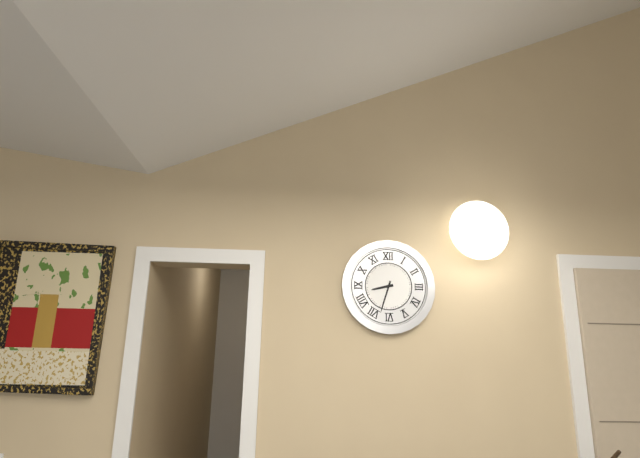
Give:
8h33
